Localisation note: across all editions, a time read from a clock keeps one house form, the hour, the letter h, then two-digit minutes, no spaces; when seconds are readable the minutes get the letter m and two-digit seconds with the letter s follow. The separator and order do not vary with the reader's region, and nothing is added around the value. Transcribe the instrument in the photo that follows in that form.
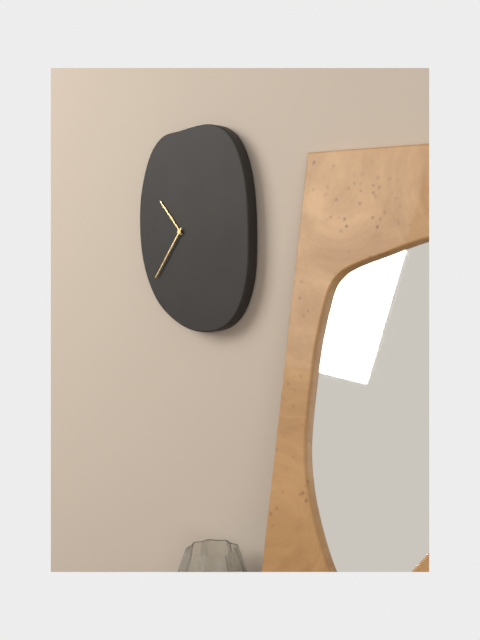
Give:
10h36
